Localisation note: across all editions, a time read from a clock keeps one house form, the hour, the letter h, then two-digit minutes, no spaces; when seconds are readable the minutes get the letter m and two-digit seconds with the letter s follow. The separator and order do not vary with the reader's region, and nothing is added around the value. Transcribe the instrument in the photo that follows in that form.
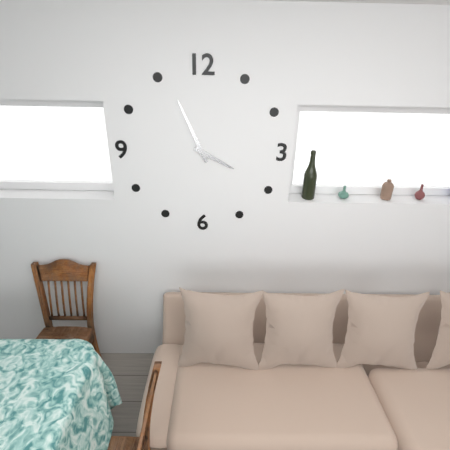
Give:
3h56
